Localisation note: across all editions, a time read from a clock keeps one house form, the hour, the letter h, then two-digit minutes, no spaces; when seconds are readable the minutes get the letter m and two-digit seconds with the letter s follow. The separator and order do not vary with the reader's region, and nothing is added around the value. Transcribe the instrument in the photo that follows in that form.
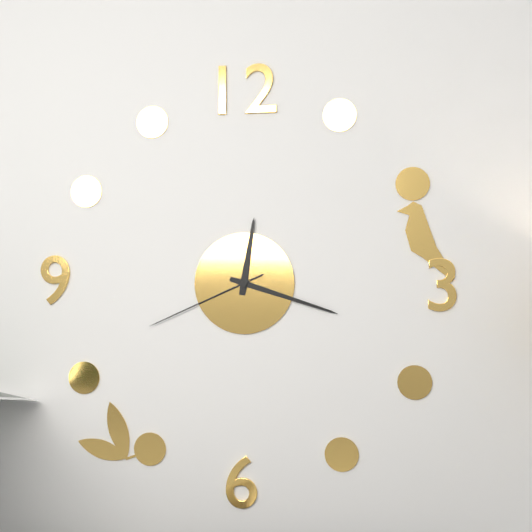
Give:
12h18m41s
